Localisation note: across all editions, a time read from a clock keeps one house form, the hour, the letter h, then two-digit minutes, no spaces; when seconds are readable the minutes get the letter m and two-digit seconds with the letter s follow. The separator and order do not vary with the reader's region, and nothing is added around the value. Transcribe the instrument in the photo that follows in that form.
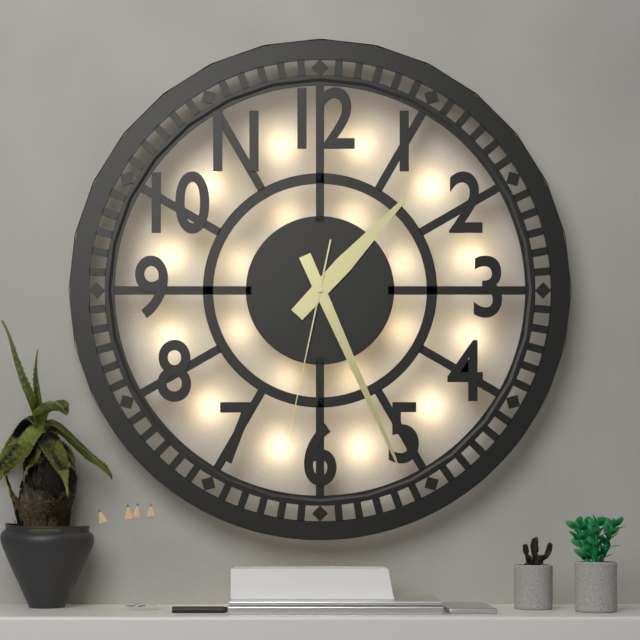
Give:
1h26m32s
